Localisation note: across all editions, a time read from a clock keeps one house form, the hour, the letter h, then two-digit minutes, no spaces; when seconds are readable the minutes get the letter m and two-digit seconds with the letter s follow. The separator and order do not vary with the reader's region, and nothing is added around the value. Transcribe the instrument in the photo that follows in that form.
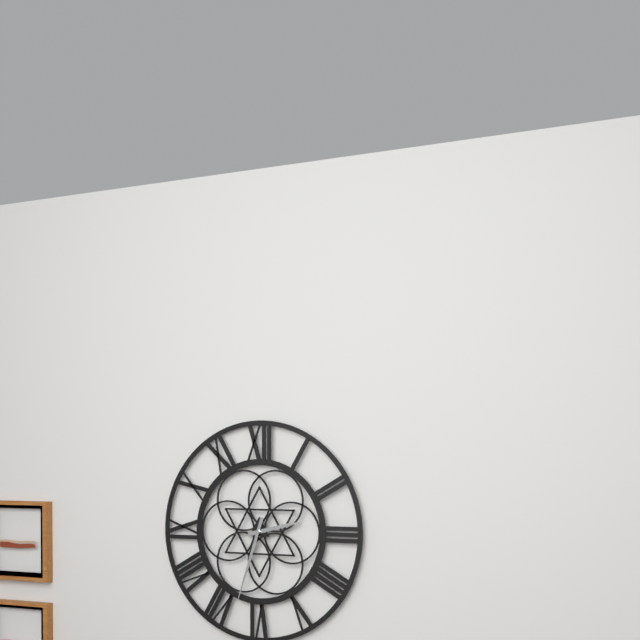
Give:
2h33
